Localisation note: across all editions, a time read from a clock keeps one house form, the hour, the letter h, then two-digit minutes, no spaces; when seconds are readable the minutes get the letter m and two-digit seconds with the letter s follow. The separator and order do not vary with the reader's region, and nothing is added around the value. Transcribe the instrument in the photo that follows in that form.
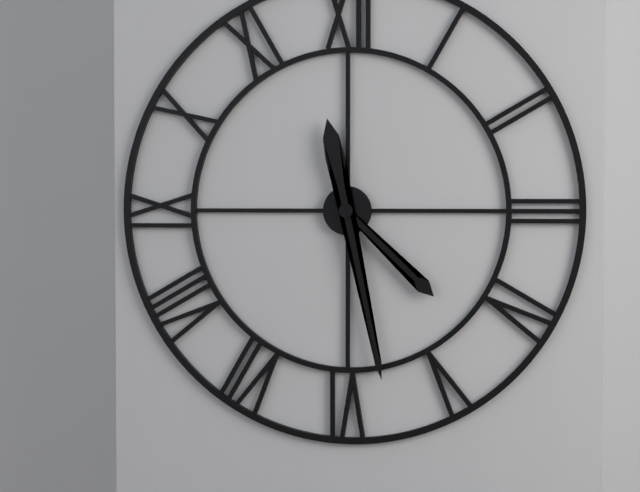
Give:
4h28
